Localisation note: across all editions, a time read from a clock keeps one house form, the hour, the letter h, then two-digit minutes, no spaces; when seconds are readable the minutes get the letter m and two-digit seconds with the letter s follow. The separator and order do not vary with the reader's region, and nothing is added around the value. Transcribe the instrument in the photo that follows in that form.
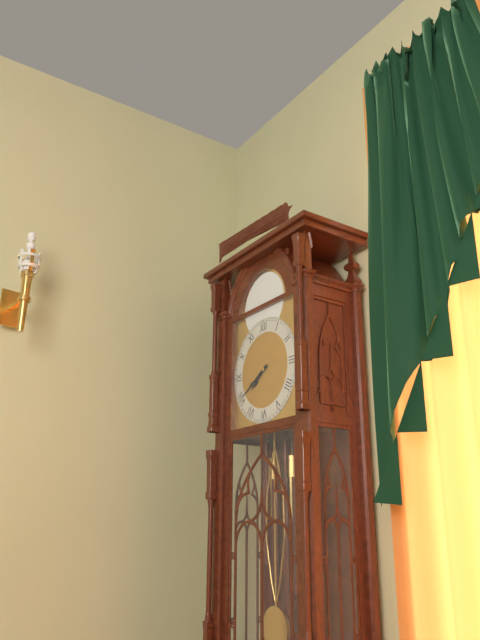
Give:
7h40
